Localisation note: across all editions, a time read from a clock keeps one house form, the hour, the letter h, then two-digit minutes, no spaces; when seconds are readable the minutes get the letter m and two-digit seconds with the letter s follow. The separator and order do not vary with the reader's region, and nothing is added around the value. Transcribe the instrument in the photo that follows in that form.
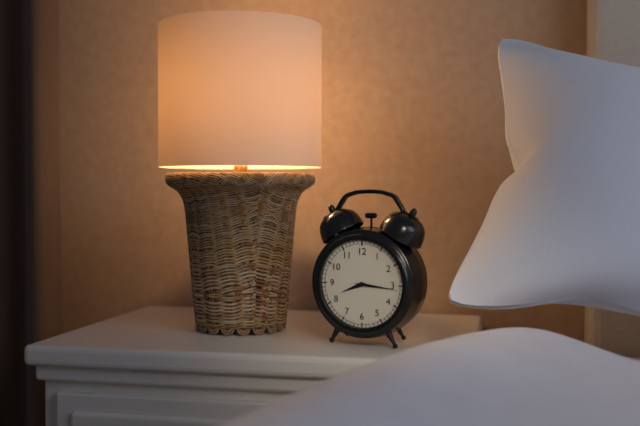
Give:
8h16
